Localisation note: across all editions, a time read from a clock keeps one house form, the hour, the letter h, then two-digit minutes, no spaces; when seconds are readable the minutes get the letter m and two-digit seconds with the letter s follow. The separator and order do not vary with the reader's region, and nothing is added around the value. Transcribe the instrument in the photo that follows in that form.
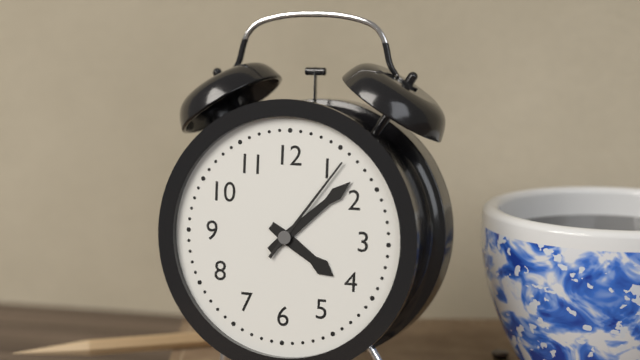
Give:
4h08m06s
